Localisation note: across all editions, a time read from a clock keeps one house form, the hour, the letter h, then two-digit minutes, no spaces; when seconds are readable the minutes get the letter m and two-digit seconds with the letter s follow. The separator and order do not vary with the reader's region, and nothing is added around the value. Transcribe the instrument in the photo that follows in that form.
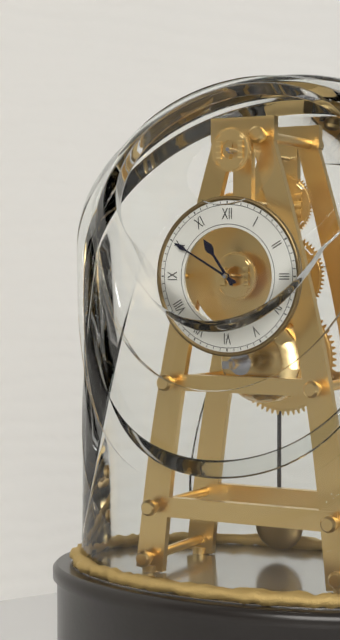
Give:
10h50
